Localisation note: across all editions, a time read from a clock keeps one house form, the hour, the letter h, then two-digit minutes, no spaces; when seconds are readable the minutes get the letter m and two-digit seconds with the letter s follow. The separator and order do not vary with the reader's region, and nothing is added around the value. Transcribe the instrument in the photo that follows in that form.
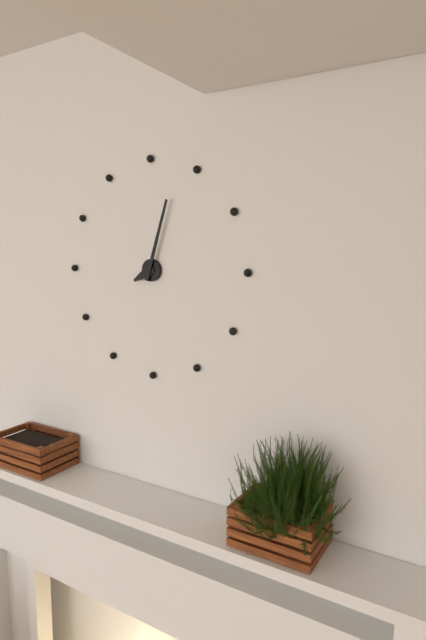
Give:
8h03
